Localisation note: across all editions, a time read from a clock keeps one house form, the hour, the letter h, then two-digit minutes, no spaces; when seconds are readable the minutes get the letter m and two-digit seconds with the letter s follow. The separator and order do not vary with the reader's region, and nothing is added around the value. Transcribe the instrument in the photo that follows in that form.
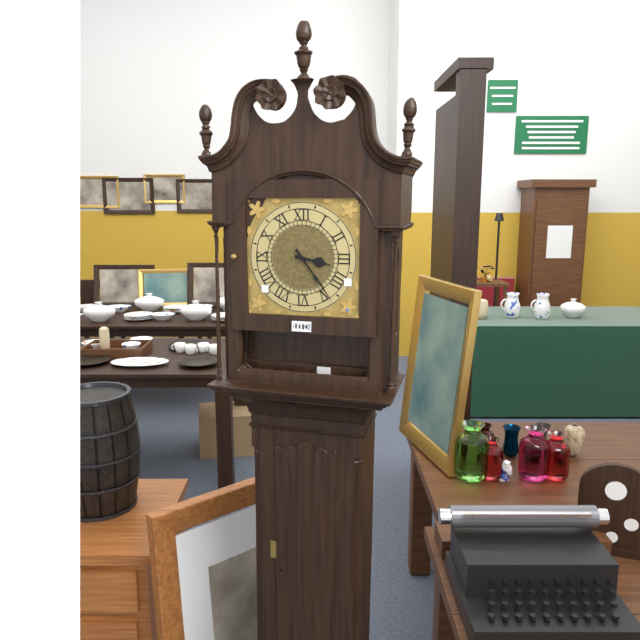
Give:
3h24
